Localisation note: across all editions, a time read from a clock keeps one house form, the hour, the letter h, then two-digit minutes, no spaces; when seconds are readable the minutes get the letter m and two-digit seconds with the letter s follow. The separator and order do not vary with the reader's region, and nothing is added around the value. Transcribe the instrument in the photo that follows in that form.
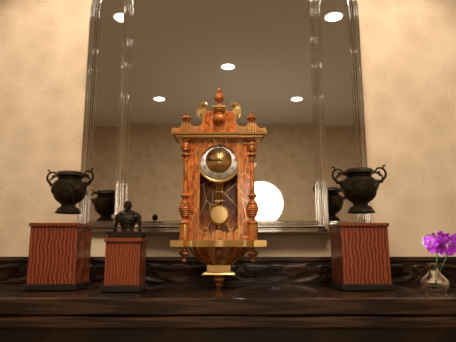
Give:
9h01
